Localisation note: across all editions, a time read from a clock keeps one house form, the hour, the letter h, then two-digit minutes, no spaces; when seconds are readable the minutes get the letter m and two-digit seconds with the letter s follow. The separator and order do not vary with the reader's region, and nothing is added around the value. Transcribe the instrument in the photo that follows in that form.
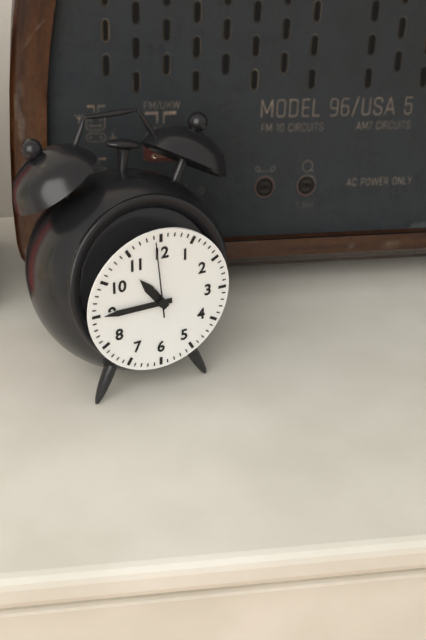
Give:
10h45m59s
